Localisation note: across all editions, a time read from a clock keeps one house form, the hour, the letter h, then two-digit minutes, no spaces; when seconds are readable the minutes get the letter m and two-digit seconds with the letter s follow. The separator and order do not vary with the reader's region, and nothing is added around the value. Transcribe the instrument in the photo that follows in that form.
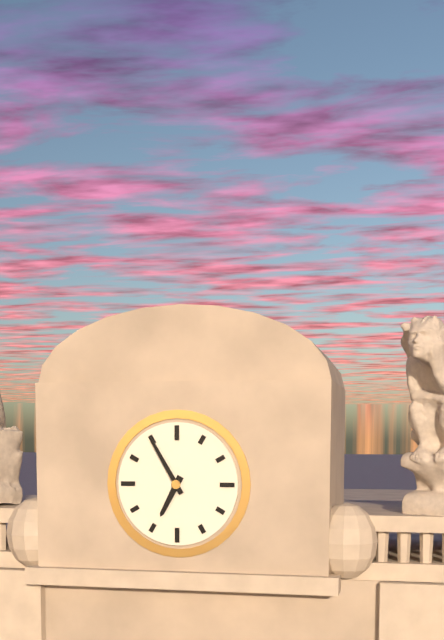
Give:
6h55
